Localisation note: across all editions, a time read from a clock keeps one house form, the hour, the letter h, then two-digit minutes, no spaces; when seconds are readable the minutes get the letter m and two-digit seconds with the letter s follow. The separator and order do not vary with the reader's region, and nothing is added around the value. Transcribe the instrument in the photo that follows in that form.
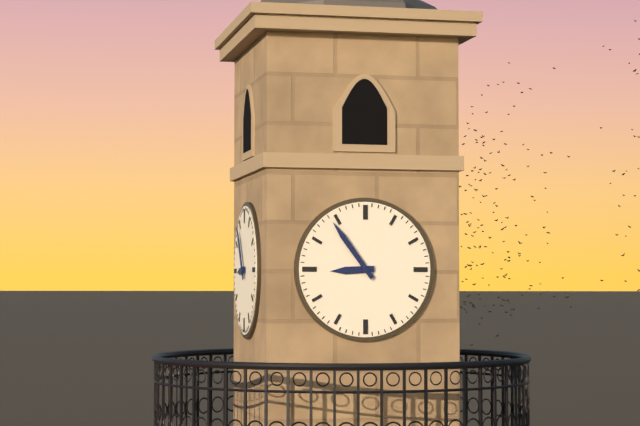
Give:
8h54
